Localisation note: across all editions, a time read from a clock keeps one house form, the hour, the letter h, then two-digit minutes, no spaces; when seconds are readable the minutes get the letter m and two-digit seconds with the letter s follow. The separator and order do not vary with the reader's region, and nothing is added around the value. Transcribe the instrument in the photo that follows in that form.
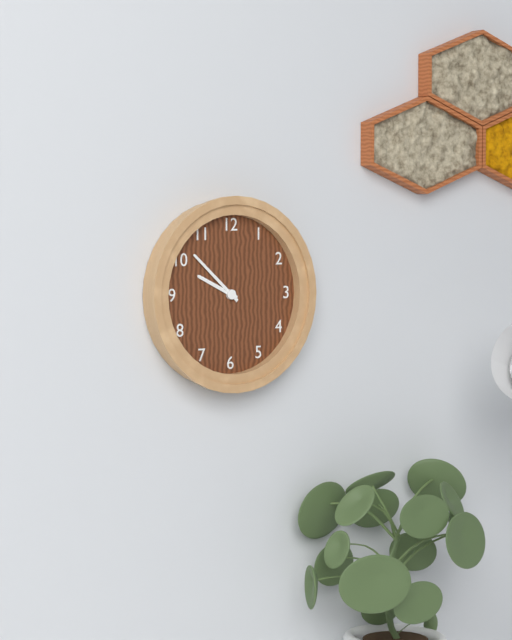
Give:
9h52
